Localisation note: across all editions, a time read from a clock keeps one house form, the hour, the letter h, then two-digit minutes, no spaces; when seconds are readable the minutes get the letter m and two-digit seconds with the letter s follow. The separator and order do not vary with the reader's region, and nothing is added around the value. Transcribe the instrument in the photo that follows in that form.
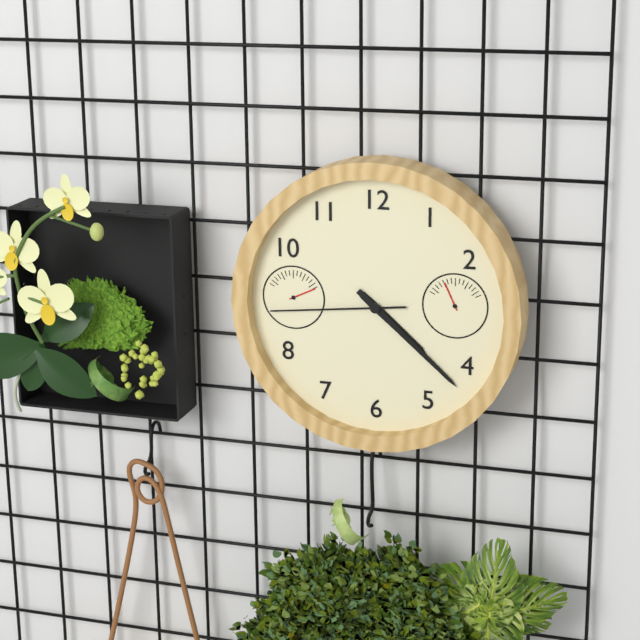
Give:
4h22m44s
